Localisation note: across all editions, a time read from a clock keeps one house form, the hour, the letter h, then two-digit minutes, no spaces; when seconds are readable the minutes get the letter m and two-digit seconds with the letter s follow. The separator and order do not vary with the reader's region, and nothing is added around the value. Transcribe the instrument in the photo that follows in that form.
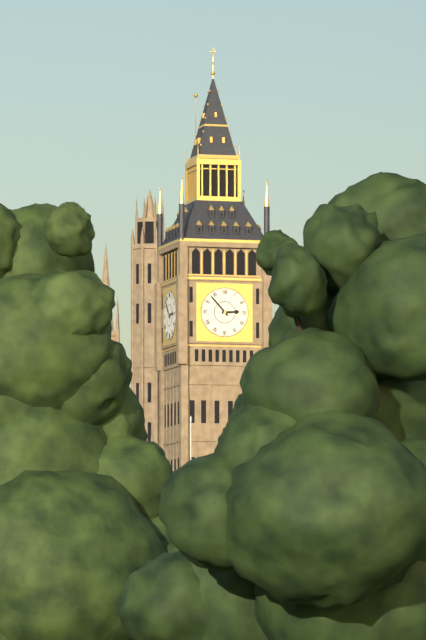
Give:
2h53
